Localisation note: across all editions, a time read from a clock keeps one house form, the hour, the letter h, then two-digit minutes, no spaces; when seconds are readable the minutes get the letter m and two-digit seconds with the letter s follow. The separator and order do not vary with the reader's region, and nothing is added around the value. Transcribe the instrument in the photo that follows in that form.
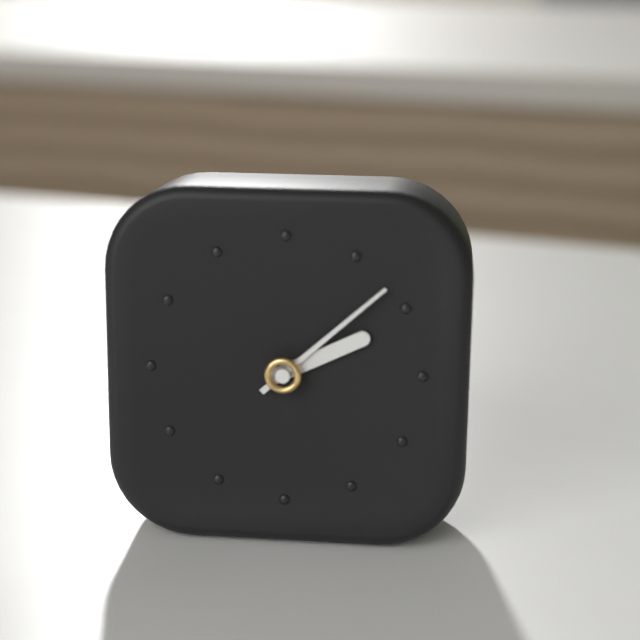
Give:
2h08
